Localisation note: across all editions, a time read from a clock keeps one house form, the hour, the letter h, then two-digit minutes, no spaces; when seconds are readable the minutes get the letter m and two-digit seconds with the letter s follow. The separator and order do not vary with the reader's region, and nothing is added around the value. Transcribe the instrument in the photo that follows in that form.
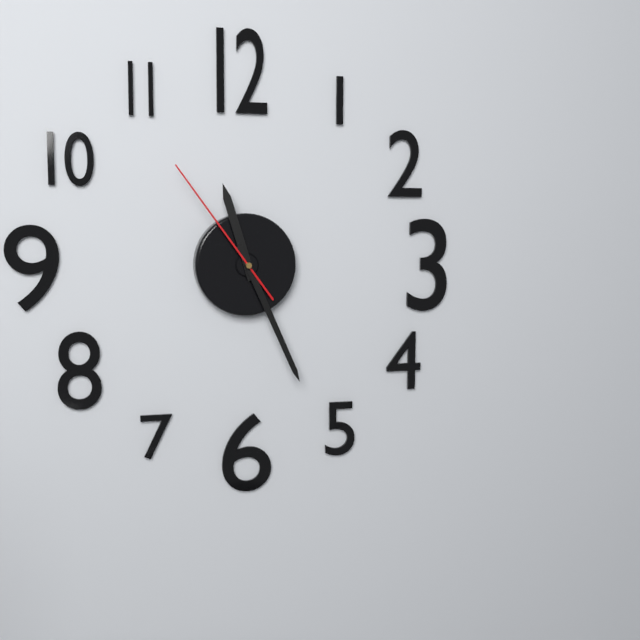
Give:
11h26m54s
